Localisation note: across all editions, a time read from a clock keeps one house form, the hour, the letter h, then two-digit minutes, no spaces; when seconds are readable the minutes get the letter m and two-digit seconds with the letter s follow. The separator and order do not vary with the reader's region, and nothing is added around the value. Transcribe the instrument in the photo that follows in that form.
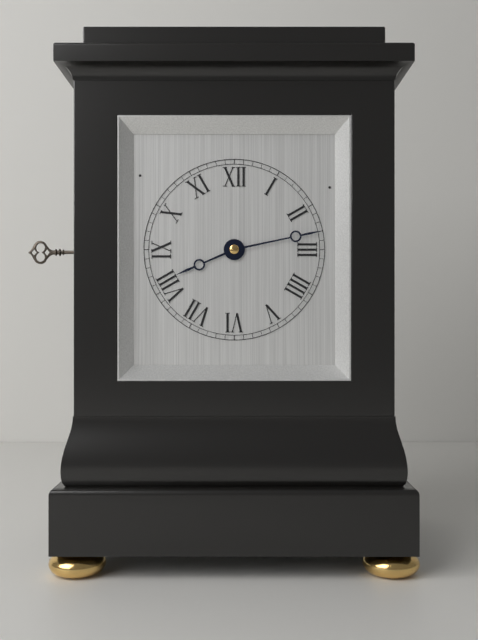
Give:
8h13
